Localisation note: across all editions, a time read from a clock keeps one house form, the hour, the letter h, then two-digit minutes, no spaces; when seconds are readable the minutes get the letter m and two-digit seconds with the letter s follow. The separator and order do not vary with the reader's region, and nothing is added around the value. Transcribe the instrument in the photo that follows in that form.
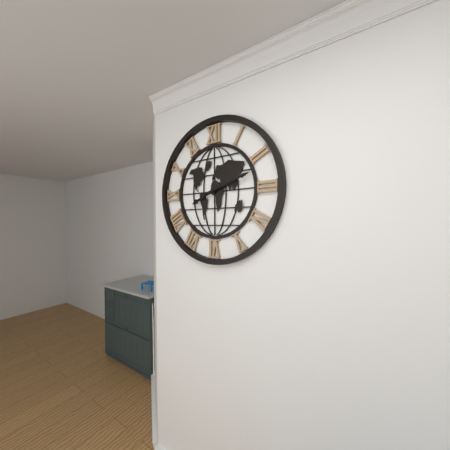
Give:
8h12
